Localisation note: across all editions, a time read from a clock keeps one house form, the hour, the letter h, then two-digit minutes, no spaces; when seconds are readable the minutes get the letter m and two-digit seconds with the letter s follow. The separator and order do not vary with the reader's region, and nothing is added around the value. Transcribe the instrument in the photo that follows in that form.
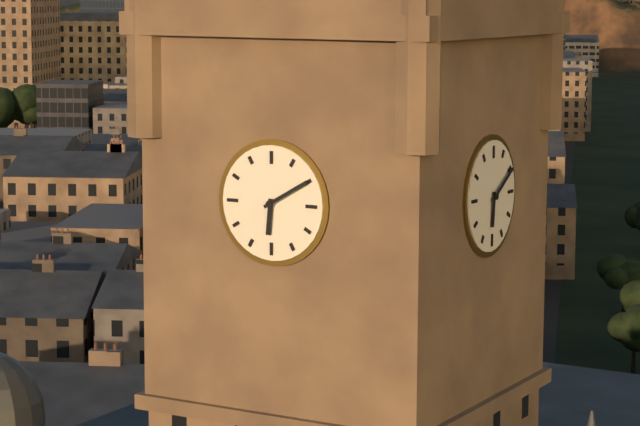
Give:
6h10
